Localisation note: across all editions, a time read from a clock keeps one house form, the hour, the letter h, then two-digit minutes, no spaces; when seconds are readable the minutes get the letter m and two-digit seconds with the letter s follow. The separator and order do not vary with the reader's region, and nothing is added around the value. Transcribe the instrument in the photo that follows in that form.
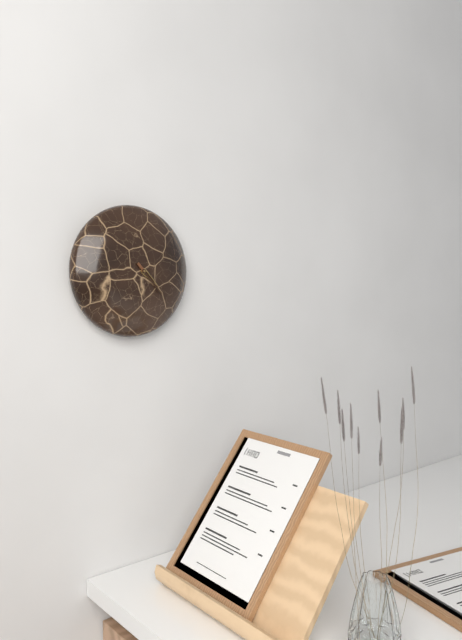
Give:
4h23
